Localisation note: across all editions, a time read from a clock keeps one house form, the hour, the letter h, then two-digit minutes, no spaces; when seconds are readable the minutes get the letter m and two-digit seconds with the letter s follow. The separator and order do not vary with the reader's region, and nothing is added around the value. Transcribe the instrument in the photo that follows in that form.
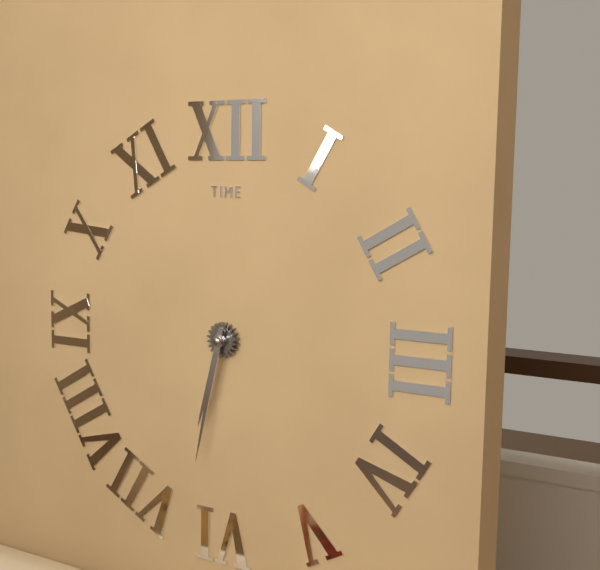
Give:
6h32
